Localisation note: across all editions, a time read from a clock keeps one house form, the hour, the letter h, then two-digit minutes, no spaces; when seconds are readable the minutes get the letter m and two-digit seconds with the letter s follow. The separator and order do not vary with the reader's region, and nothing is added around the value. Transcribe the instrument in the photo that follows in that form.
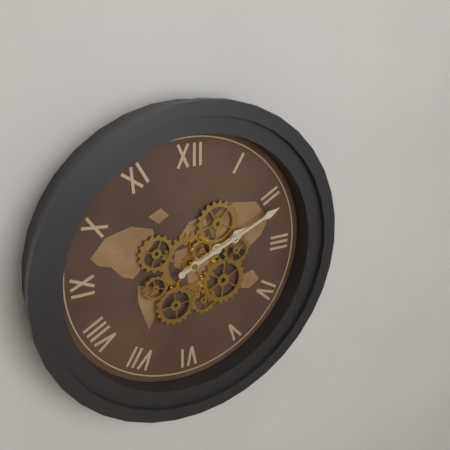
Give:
2h11
